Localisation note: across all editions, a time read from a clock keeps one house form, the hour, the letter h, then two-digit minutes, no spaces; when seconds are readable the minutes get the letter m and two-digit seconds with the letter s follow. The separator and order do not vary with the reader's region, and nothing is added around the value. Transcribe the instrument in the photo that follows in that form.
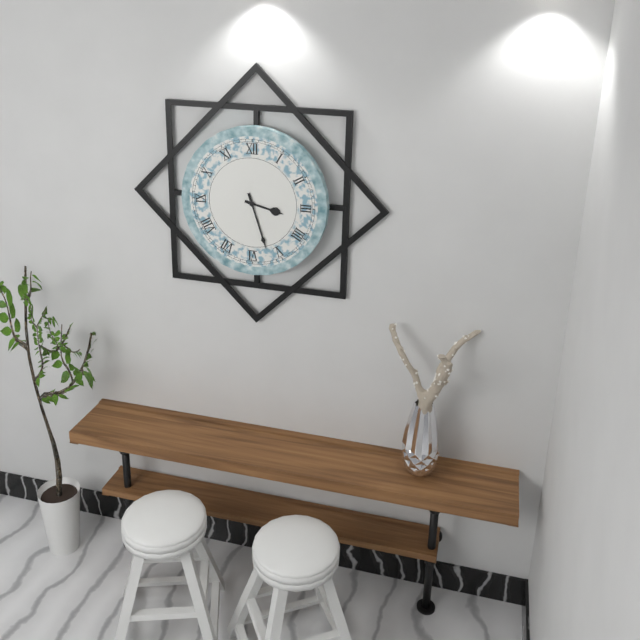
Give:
3h27
